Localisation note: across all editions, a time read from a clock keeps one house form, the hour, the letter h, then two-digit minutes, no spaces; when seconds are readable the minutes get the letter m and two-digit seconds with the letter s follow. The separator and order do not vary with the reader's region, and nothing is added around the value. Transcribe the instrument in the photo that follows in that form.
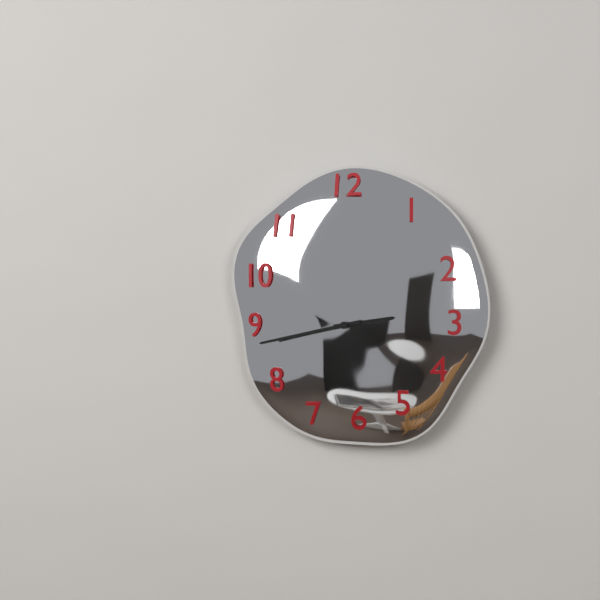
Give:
2h43
